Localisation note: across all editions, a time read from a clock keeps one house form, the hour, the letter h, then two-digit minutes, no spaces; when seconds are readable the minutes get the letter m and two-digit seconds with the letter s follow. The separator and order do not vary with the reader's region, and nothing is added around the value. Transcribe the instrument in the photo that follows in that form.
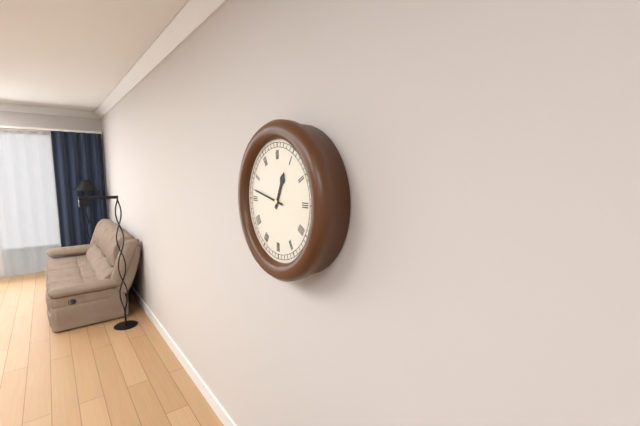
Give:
12h47
